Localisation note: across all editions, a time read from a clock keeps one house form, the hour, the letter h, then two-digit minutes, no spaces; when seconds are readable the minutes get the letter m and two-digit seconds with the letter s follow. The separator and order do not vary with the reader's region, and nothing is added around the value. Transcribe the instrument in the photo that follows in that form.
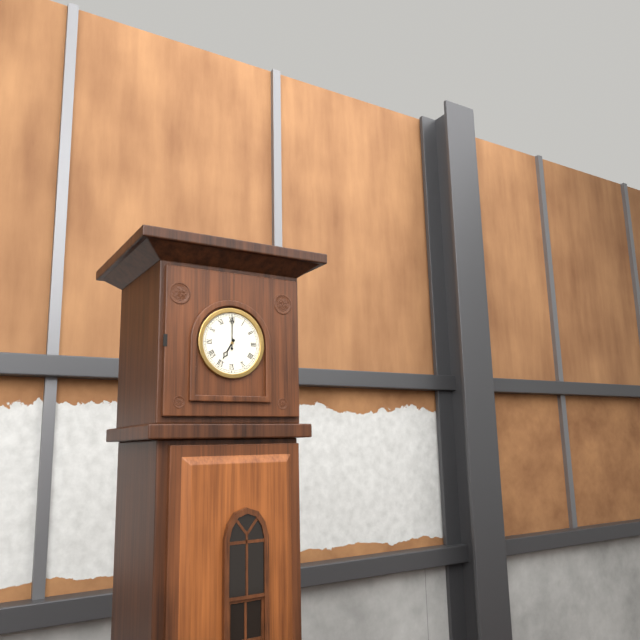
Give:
7h00
